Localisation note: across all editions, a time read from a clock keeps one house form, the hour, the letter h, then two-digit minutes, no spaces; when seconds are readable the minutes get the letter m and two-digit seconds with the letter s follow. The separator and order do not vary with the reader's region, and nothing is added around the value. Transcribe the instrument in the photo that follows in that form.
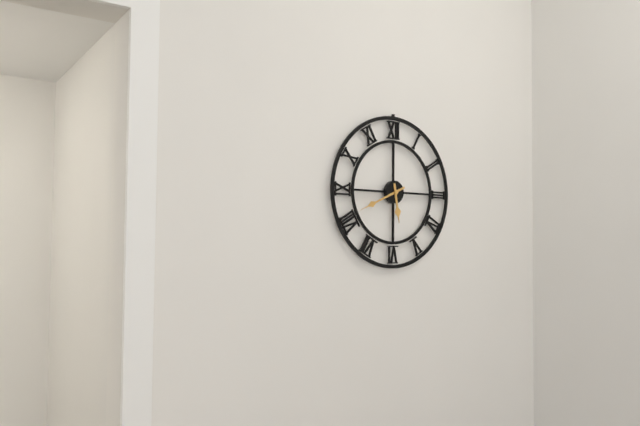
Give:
5h41
